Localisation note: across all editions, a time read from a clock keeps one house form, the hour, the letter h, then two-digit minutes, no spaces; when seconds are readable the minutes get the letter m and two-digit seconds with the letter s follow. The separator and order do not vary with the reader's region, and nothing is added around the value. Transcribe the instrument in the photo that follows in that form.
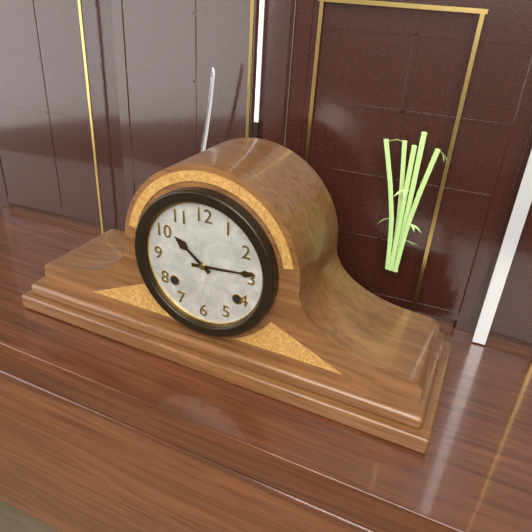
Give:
10h14
